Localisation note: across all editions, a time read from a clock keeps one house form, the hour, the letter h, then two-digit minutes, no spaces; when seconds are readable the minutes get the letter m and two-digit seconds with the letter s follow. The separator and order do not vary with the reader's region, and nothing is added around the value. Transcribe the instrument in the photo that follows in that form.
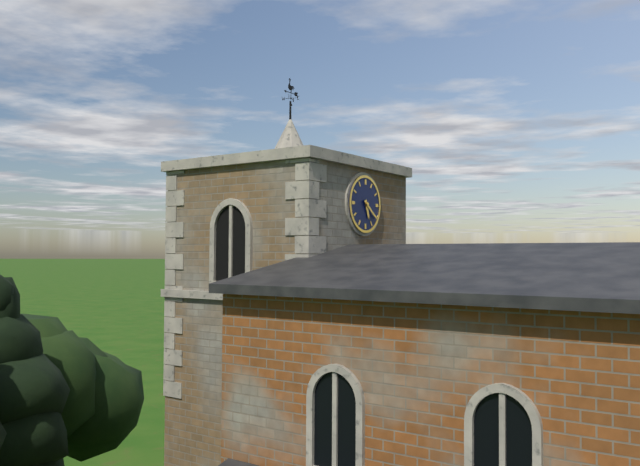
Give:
5h21
